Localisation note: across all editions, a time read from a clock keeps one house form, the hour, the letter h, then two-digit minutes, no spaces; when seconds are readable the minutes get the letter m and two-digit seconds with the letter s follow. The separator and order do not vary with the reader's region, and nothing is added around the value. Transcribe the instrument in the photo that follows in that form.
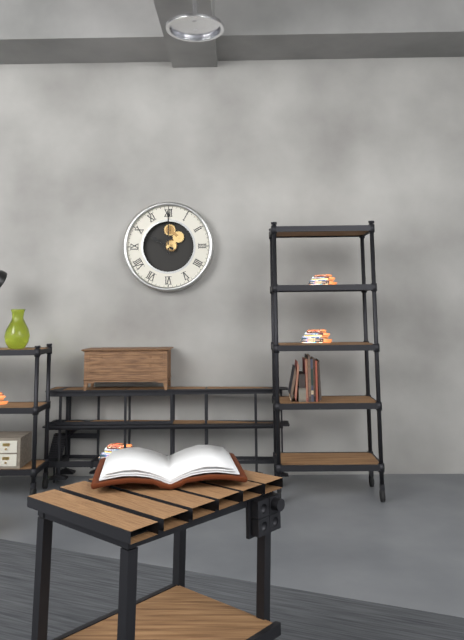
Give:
10h00
